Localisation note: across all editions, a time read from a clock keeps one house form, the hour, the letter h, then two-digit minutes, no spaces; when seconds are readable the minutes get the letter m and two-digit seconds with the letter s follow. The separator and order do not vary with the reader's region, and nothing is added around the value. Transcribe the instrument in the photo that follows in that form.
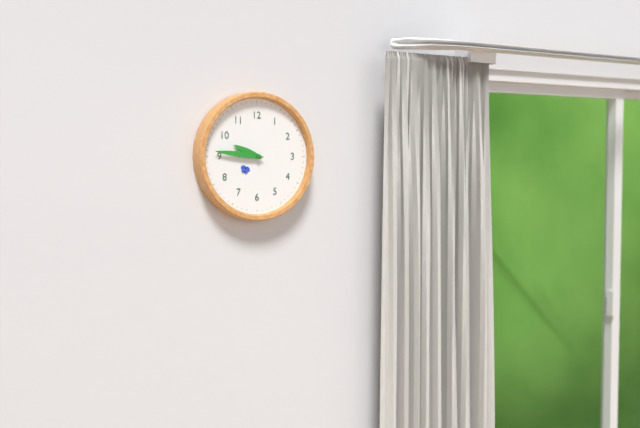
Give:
9h46
